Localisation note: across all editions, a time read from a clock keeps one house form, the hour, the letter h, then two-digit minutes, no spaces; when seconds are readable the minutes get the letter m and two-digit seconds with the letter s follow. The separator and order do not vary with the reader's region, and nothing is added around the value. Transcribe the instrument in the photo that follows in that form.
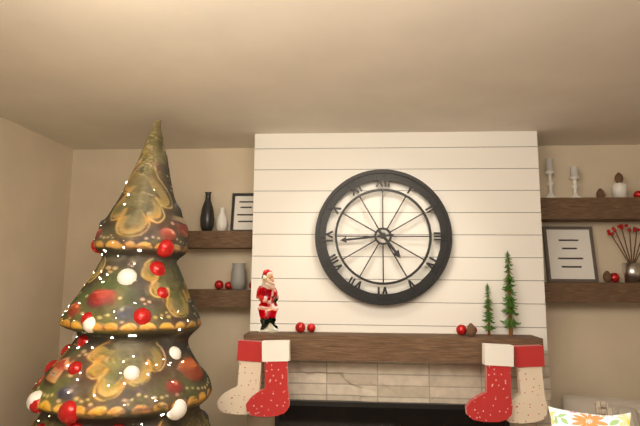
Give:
4h44
